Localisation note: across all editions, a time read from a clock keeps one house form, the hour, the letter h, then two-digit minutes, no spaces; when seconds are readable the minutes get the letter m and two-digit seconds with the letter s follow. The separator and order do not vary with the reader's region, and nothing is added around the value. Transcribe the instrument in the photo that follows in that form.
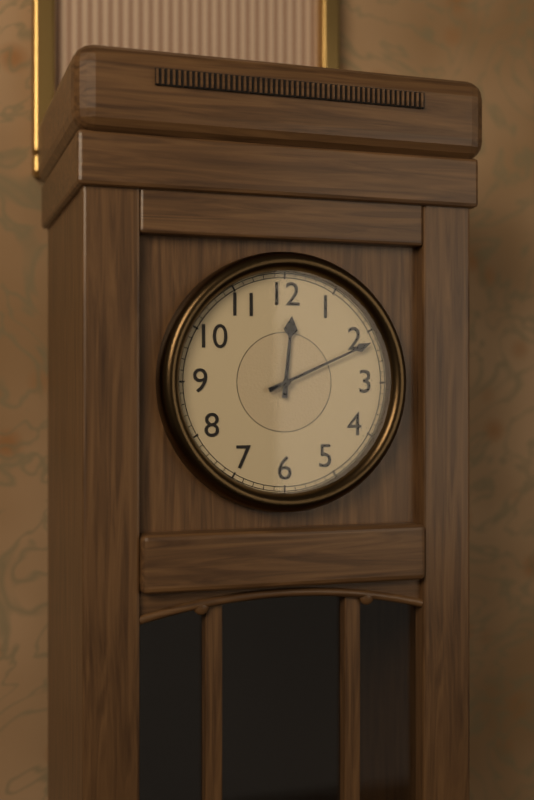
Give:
12h11
